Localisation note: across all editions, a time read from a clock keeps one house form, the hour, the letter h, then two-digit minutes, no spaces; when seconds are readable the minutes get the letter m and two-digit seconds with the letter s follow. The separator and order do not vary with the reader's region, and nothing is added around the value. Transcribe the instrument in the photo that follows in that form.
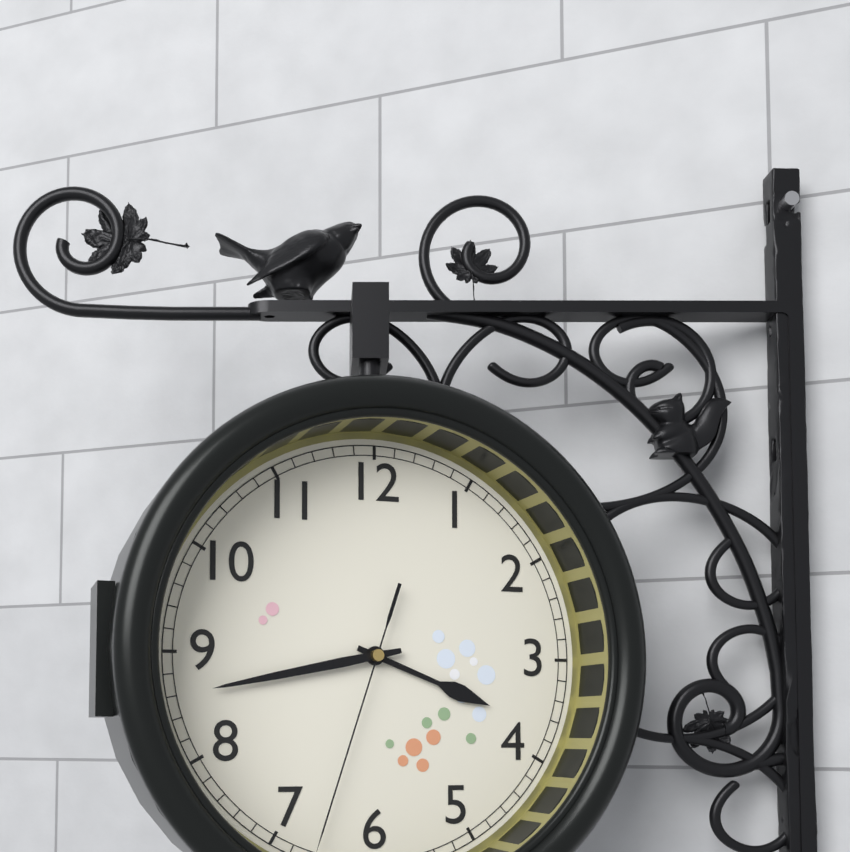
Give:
3h43
